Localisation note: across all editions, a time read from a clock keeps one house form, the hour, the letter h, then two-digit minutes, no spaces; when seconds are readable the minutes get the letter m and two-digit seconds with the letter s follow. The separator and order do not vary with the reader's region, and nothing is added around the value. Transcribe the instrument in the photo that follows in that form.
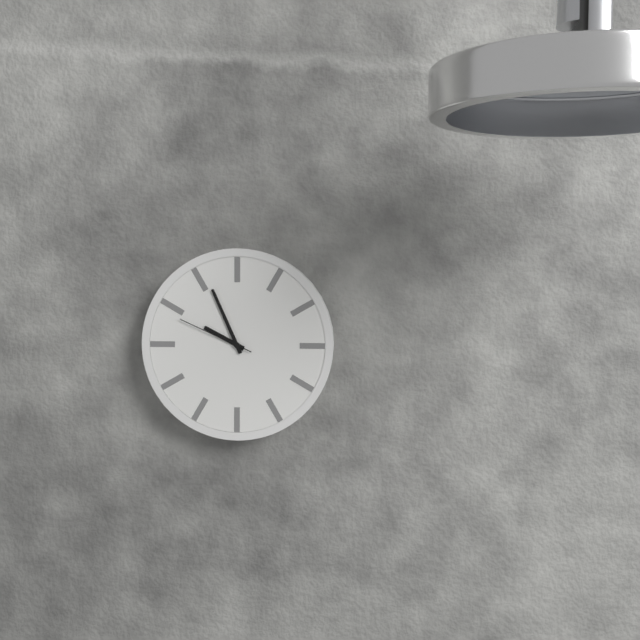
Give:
9h56m49s
